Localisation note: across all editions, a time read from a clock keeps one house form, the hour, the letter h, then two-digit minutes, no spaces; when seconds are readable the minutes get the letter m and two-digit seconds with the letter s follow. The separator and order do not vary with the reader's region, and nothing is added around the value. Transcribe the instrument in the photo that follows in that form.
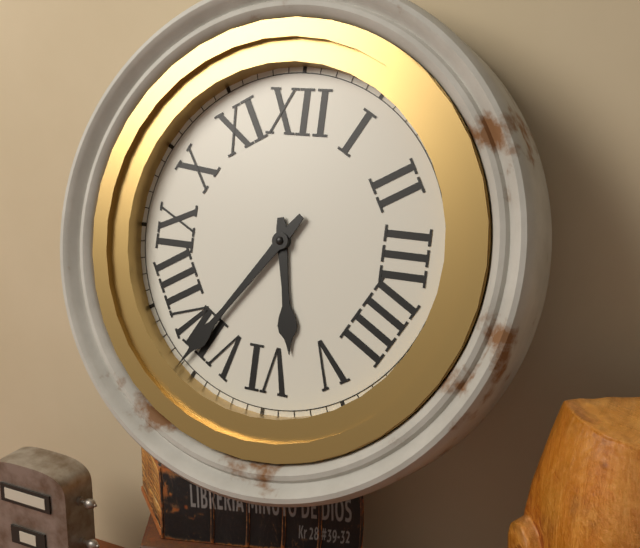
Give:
5h36
